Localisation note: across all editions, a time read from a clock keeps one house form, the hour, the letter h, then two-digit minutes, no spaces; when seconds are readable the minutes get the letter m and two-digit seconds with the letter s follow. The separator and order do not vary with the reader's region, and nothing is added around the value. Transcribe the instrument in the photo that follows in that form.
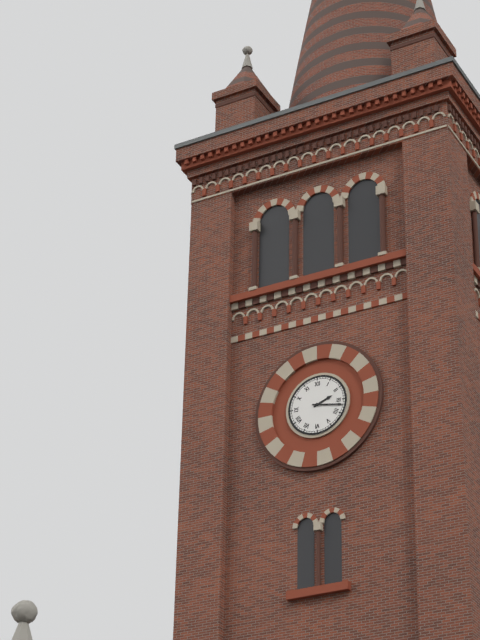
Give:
2h17
